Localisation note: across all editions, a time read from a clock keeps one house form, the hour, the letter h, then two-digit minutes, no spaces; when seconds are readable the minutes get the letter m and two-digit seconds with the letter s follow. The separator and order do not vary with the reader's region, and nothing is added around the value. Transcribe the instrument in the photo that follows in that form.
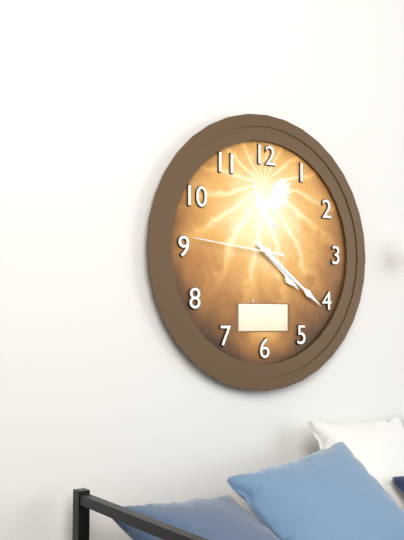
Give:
4h21m46s
